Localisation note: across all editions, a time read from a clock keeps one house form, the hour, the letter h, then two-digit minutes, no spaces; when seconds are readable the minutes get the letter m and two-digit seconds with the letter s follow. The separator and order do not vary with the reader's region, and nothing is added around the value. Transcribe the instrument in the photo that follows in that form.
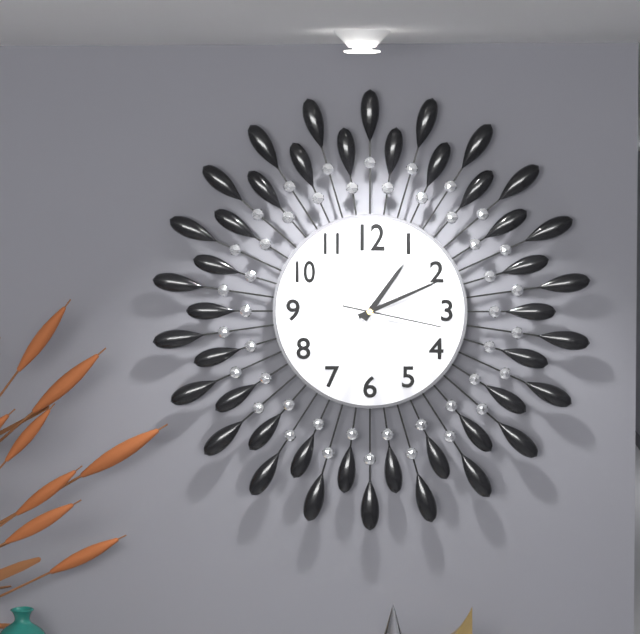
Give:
1h11m17s
